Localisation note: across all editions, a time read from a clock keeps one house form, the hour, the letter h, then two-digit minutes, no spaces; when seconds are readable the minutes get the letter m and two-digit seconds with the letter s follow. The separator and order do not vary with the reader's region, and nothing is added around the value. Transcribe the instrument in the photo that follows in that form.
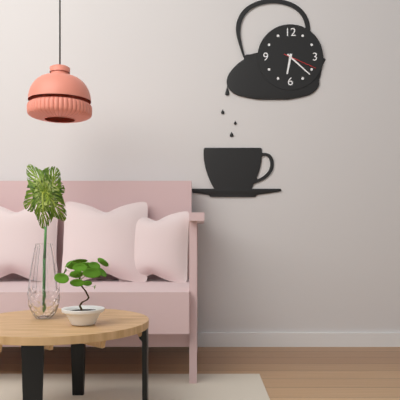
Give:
6h22
